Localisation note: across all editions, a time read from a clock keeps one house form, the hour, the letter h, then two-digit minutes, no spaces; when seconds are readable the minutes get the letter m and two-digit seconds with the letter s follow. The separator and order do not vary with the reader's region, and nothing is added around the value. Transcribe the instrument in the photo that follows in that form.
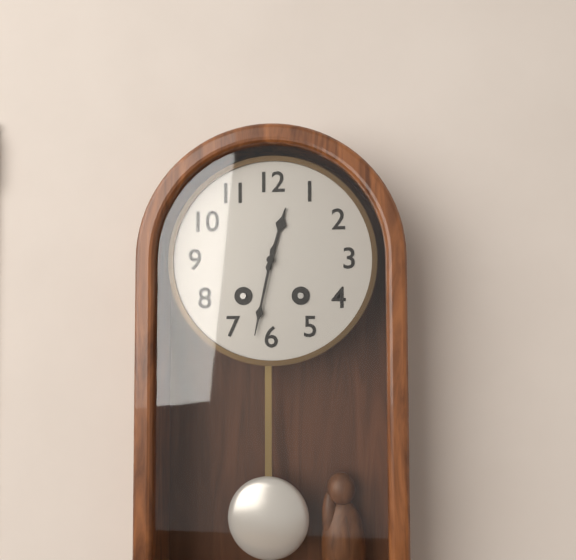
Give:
12h32
